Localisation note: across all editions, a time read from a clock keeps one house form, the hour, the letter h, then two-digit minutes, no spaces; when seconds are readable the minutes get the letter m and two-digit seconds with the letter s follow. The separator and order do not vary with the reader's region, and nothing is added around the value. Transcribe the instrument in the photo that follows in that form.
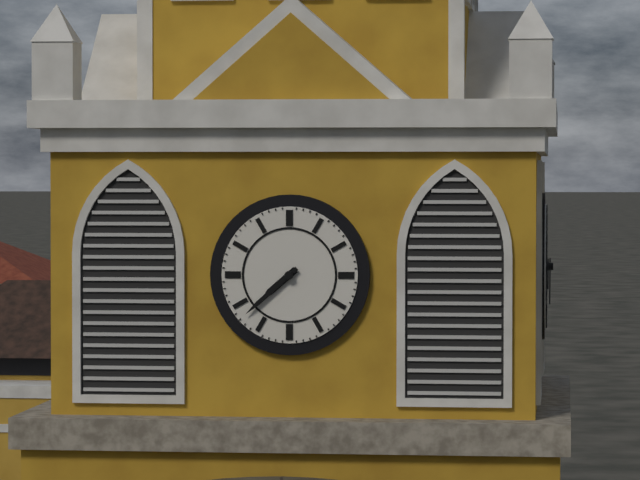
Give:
7h38
